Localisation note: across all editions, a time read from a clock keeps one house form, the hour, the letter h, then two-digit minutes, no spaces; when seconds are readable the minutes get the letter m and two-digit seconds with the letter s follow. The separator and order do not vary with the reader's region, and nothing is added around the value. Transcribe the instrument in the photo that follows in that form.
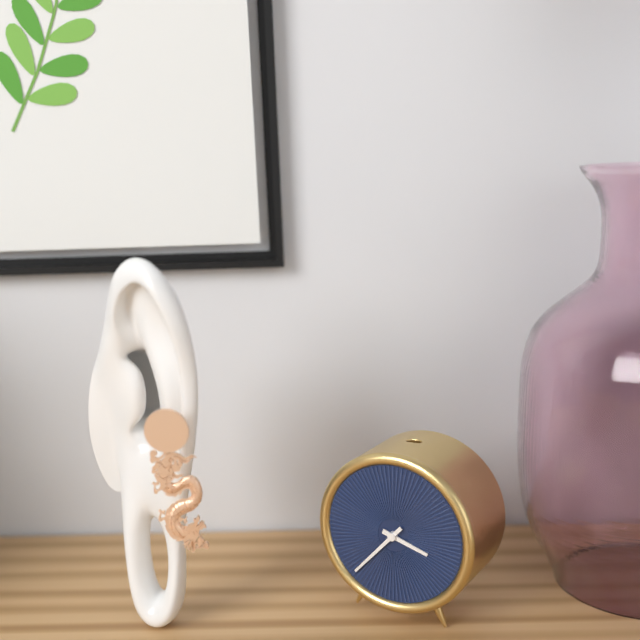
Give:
3h37
